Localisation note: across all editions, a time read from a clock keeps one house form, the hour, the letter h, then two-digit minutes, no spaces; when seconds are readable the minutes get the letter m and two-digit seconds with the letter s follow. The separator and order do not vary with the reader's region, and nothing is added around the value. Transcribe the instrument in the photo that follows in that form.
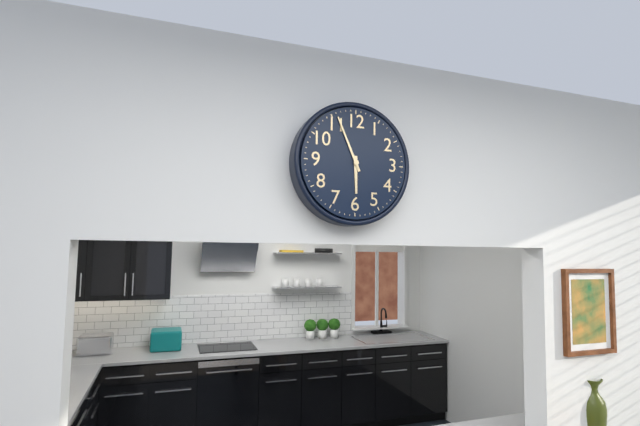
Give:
5h56
